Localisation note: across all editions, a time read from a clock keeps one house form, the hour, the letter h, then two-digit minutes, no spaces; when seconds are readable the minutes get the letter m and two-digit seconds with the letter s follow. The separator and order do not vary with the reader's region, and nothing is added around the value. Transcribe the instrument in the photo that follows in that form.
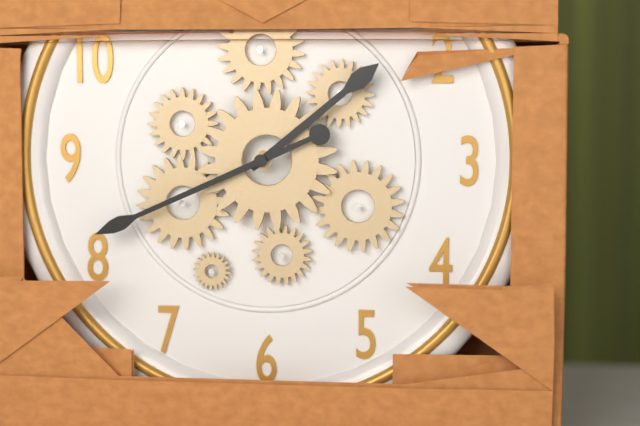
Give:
1h41
